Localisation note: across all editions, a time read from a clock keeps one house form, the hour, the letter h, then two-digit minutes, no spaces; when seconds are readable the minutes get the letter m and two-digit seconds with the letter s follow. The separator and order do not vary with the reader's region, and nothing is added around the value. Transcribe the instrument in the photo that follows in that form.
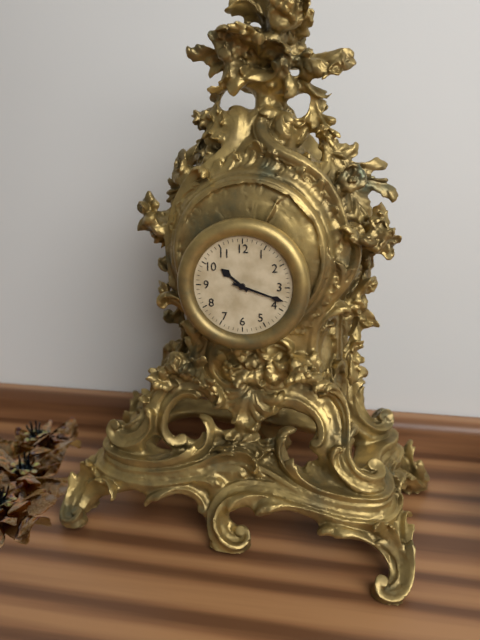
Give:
10h18
